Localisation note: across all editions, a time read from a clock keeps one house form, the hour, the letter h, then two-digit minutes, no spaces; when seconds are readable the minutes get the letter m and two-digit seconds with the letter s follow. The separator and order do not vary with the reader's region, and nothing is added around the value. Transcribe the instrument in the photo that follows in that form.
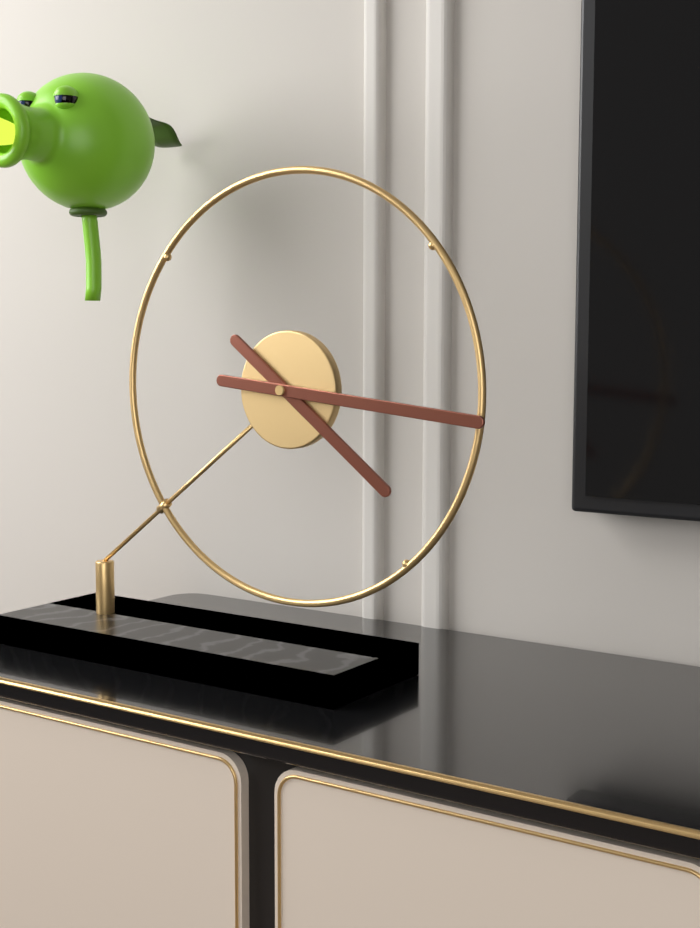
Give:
4h16
